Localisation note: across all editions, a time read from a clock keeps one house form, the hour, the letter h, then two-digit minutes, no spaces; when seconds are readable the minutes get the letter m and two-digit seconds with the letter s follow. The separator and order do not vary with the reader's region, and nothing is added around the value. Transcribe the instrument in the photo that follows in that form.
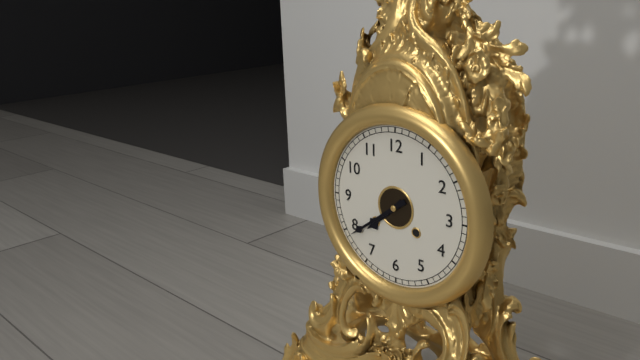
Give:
7h39
